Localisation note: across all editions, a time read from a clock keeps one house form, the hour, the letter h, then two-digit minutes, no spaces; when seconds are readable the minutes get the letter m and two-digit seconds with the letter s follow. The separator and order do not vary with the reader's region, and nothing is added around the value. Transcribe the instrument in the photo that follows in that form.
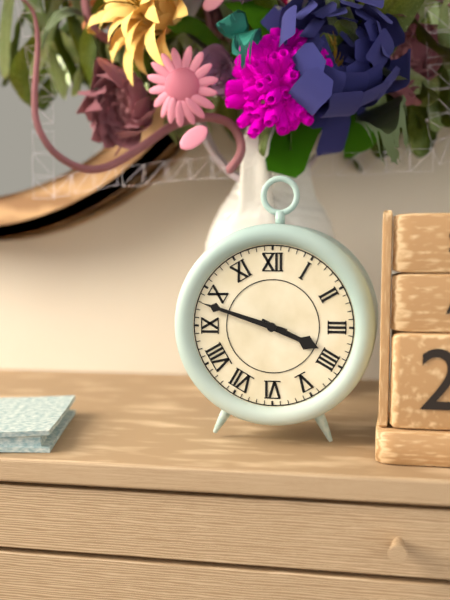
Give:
3h48
